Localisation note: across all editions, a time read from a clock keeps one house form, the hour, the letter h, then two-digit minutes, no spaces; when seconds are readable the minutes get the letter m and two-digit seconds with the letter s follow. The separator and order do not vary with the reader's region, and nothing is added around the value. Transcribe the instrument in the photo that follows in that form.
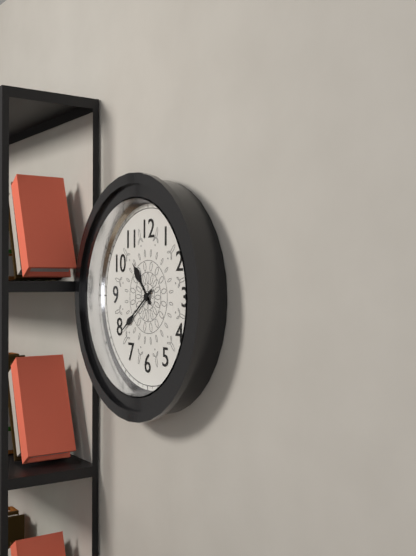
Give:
10h39
